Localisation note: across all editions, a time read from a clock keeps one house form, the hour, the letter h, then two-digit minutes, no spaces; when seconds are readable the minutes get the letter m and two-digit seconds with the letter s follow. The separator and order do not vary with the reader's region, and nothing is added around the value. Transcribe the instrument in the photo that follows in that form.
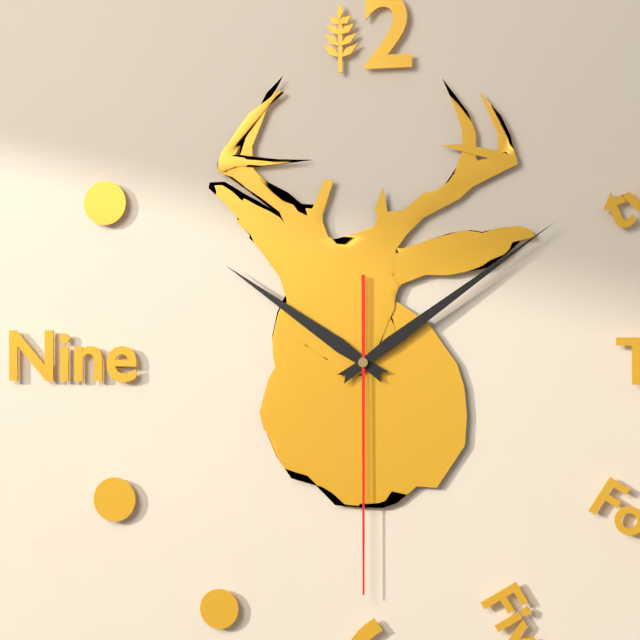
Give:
10h09m30s
